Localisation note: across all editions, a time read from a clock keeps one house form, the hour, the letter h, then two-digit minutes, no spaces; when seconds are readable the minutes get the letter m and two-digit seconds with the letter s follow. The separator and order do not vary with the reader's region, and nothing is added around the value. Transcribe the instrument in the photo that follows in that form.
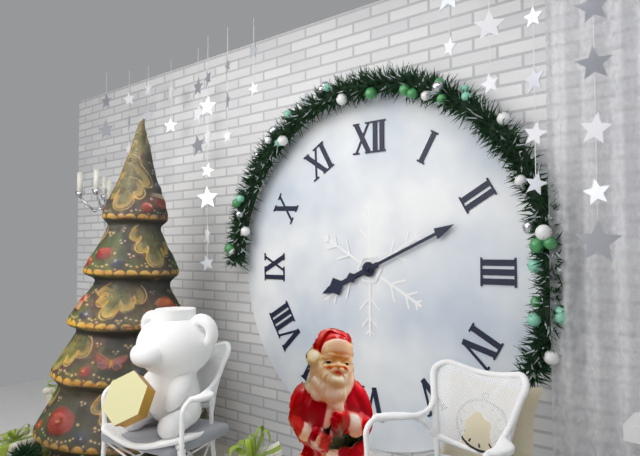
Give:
8h11
